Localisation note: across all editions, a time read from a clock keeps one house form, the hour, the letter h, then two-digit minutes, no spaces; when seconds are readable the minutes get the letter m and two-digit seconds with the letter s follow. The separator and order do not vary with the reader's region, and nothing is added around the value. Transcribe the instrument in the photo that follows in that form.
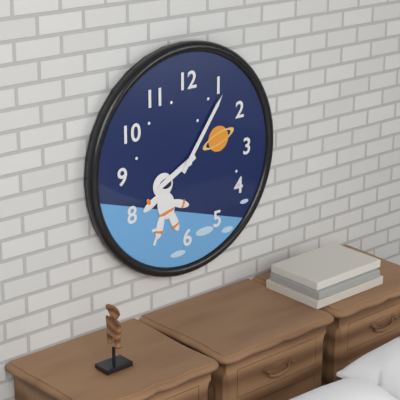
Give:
8h06
